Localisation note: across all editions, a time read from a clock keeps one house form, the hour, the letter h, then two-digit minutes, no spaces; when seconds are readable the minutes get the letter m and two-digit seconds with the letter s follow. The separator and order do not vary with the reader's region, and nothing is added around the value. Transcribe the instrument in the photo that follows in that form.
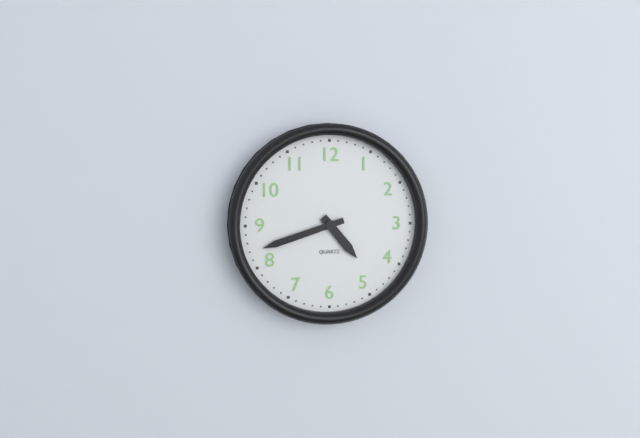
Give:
4h42
